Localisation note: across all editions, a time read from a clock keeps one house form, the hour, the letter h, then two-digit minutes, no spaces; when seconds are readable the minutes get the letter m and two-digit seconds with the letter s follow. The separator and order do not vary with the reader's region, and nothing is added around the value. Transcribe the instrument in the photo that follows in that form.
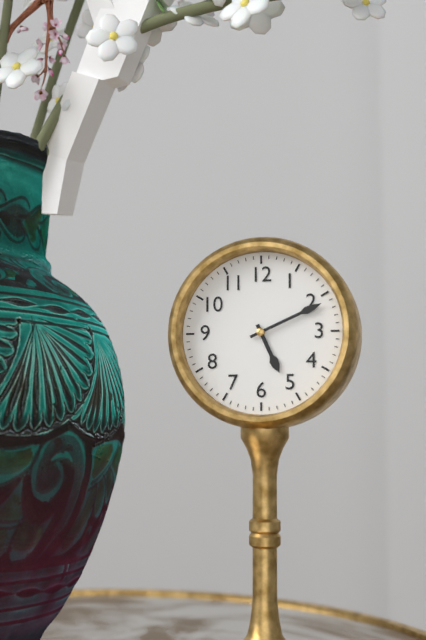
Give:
5h11
